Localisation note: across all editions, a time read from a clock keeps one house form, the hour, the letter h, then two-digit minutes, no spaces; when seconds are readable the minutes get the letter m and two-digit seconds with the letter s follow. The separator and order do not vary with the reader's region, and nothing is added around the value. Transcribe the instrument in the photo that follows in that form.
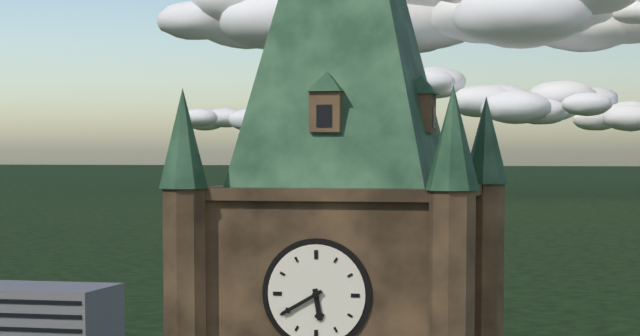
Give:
5h40
